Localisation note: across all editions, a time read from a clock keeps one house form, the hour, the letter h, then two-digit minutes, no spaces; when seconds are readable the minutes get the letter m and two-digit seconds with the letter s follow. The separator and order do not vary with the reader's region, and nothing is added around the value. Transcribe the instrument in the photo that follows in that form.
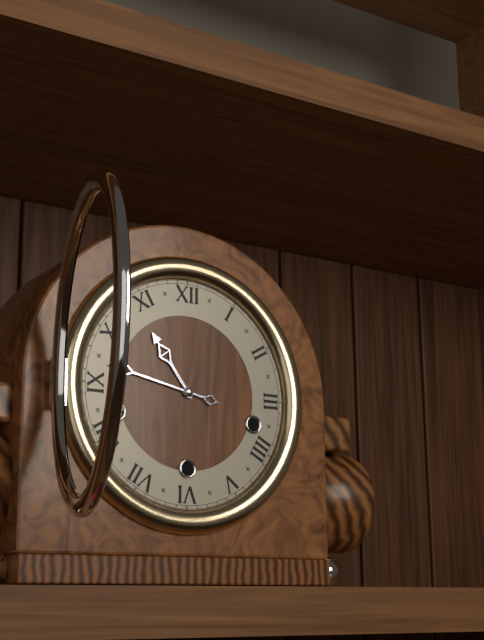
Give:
10h47
